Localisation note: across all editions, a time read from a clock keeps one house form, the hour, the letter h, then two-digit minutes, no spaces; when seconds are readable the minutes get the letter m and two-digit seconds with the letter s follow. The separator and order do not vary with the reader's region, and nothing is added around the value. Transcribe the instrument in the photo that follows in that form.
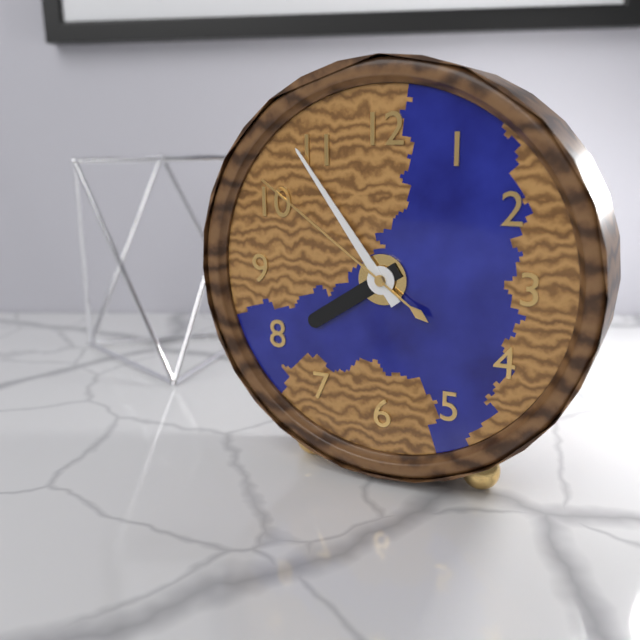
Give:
7h54m51s
